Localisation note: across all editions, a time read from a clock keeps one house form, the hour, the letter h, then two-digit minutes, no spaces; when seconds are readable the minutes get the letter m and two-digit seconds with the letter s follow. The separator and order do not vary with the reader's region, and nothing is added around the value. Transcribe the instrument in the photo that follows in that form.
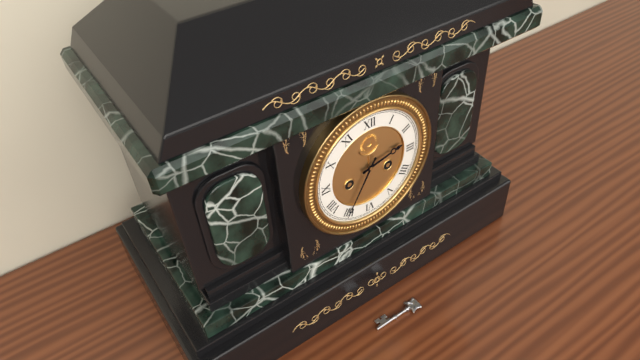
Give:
2h35
